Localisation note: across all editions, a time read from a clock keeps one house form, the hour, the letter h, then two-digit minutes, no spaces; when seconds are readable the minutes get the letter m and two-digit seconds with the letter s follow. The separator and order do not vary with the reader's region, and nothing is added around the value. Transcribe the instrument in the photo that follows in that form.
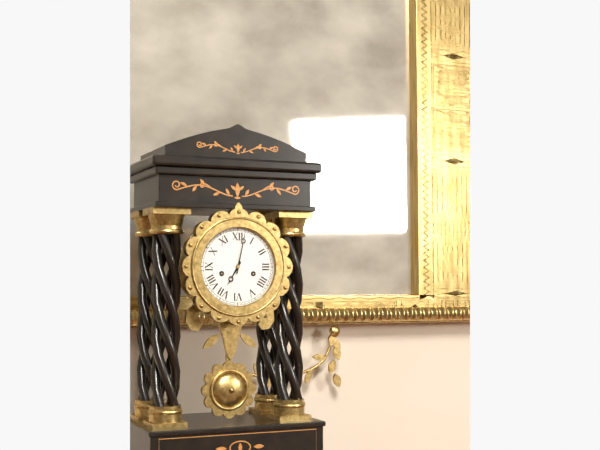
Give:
7h02
